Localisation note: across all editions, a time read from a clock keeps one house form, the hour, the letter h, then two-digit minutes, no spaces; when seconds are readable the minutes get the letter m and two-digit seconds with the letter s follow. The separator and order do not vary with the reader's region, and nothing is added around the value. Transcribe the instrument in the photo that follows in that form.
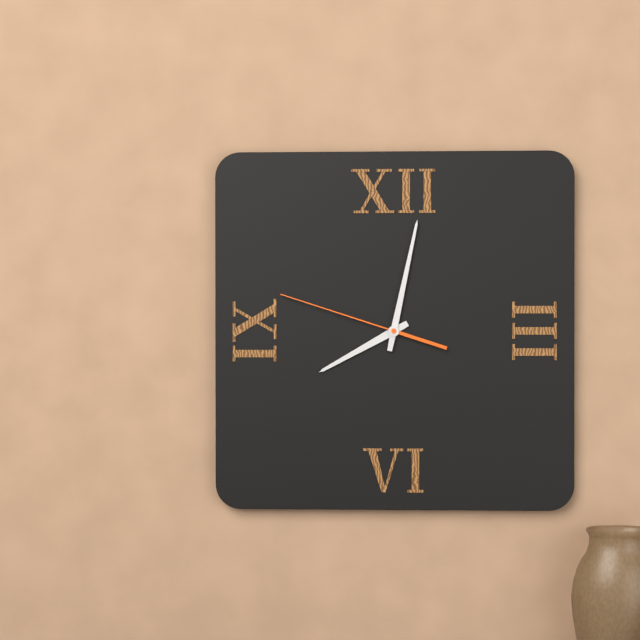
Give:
8h02m48s
